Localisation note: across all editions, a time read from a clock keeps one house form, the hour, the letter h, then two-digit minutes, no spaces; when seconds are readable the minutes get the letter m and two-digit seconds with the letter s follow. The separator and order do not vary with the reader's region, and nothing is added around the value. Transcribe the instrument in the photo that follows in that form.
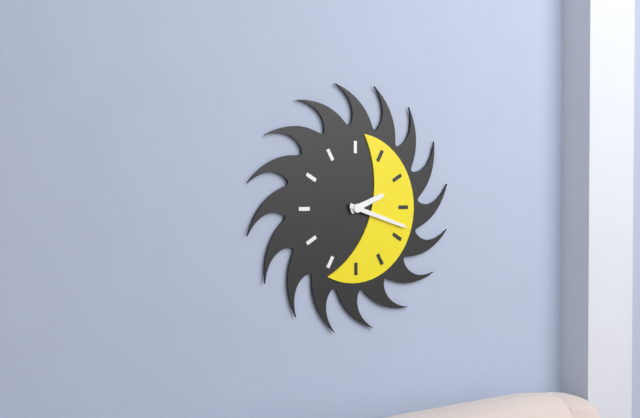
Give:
2h18
